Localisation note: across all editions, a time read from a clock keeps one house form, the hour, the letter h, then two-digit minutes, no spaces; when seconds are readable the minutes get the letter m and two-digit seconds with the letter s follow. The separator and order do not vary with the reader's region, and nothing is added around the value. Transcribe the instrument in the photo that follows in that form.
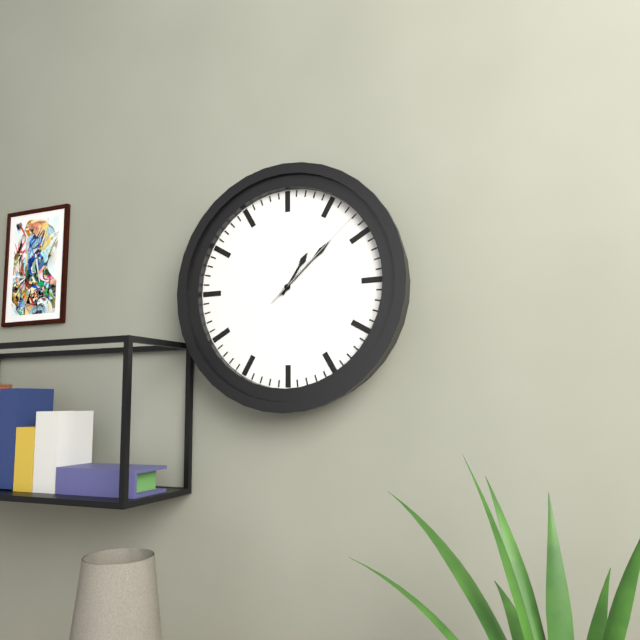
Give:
1h08m08s
